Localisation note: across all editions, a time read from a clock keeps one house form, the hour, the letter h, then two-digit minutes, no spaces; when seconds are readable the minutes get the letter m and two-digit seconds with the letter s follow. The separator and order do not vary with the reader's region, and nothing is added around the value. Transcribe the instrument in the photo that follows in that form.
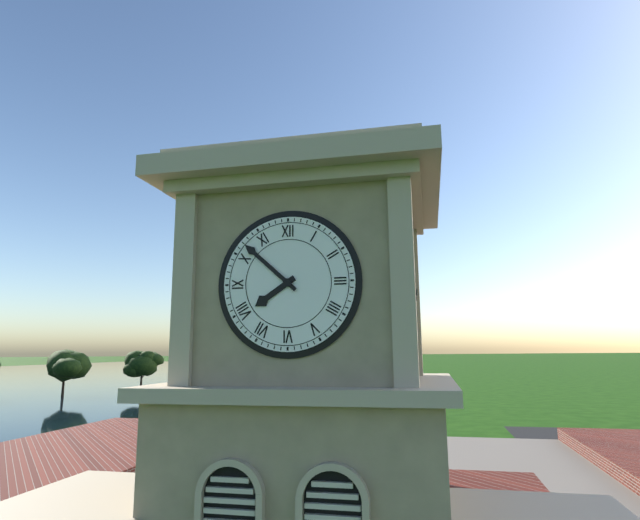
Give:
7h52
